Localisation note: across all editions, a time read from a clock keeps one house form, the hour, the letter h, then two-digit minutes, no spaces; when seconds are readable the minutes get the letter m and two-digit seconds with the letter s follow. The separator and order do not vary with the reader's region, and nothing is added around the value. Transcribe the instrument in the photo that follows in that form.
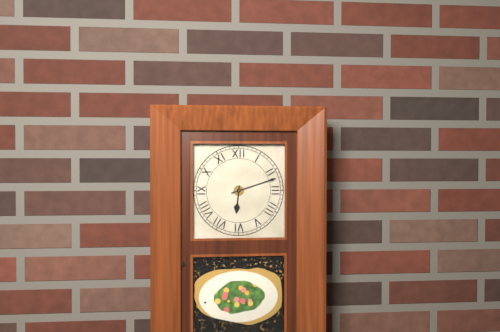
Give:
6h12
